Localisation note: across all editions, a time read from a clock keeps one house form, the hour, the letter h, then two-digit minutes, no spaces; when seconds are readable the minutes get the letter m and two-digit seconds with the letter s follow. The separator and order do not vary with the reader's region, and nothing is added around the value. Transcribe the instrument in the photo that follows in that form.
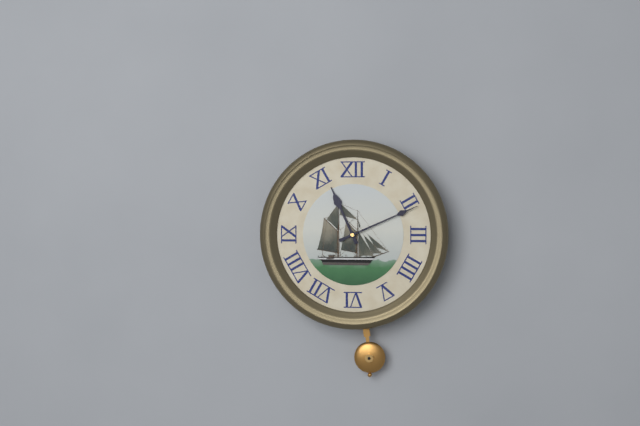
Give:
11h11
